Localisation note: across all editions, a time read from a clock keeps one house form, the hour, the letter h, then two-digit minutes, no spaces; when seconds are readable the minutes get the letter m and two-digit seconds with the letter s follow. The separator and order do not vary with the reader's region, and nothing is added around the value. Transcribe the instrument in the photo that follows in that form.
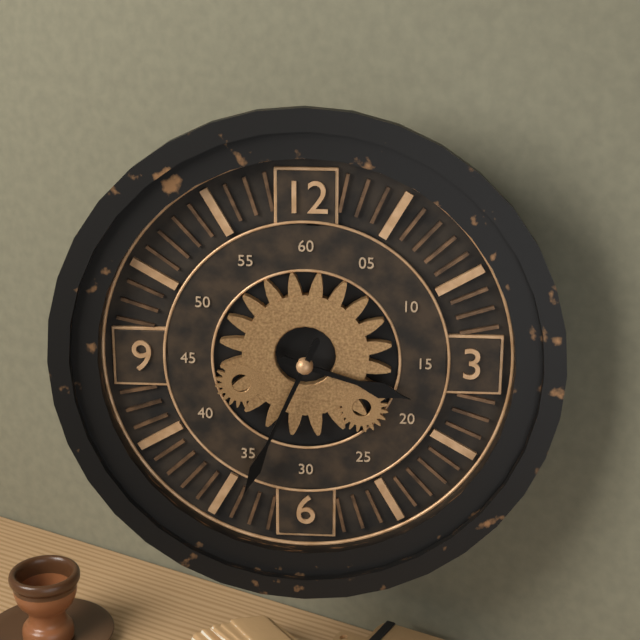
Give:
3h34
